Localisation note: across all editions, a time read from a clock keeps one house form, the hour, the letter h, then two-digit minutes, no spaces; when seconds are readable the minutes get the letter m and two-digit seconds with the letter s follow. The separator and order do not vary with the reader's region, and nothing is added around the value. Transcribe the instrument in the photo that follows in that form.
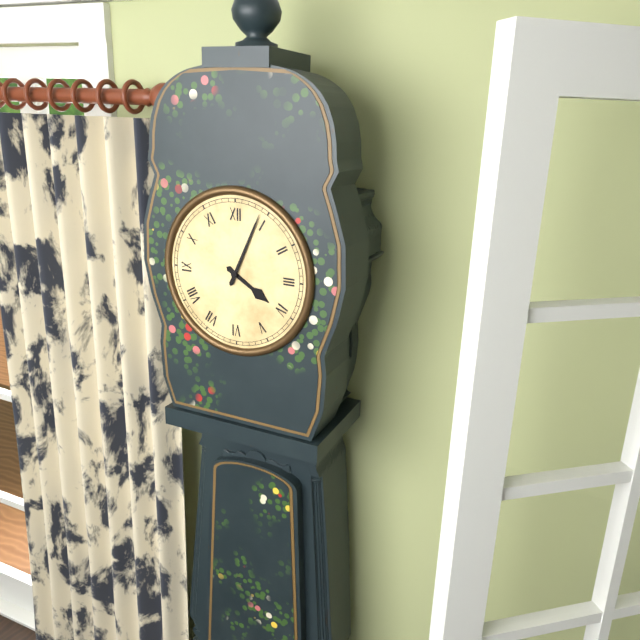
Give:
4h04
